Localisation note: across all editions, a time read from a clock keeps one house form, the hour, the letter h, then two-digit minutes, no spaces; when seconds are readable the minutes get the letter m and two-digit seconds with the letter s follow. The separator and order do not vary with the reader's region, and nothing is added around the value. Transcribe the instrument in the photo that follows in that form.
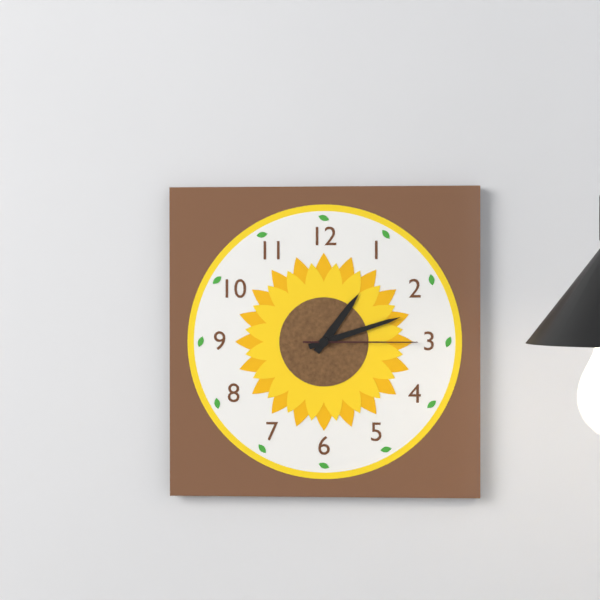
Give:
1h12m15s
